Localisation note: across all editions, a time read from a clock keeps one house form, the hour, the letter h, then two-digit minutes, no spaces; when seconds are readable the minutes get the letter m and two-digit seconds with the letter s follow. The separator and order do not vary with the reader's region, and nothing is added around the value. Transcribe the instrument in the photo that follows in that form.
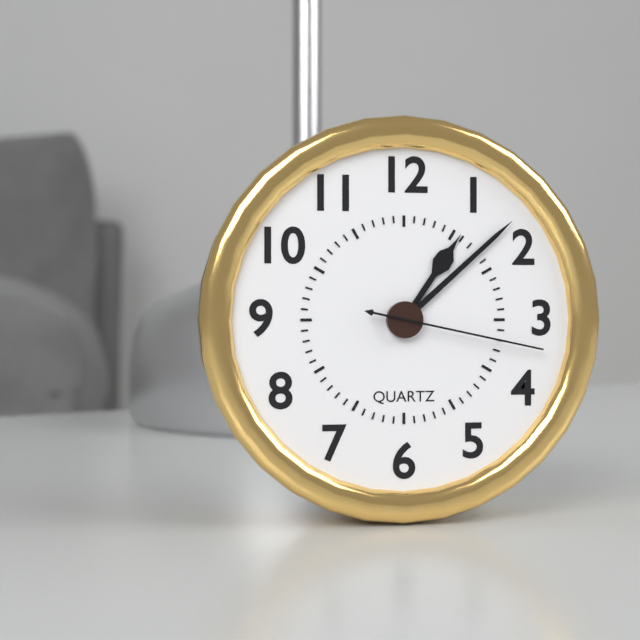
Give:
1h08m17s
